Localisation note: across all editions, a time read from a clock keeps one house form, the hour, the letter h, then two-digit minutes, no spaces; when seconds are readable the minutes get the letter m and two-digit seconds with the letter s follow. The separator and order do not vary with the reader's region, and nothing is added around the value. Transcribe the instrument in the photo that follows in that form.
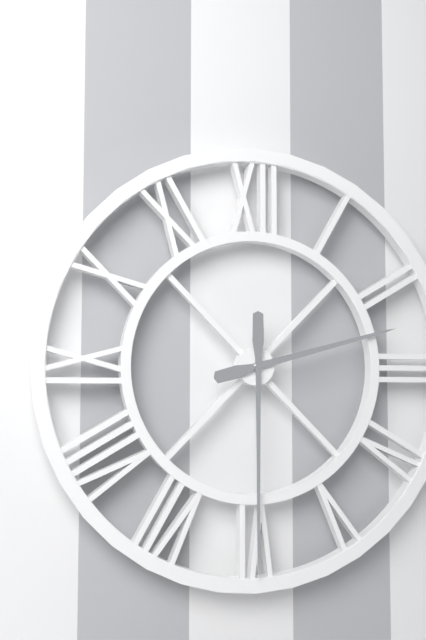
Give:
2h30
